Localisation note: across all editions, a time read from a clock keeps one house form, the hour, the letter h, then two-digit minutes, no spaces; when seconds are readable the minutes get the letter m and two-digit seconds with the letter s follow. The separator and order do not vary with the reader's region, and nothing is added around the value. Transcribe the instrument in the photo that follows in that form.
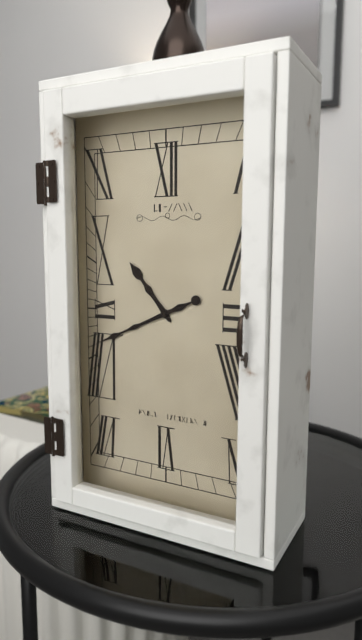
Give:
10h41
